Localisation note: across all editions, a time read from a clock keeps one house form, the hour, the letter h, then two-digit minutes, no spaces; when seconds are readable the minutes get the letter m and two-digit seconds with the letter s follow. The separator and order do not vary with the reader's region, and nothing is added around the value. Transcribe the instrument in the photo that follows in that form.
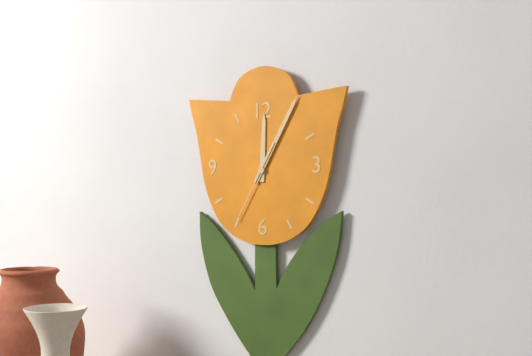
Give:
12h05m35s
